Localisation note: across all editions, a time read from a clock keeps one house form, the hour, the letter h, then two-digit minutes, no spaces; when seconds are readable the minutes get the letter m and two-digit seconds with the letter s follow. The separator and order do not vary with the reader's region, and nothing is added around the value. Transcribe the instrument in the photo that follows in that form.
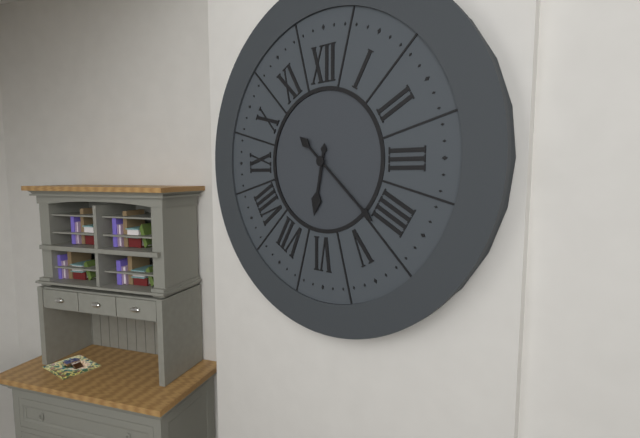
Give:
6h22
